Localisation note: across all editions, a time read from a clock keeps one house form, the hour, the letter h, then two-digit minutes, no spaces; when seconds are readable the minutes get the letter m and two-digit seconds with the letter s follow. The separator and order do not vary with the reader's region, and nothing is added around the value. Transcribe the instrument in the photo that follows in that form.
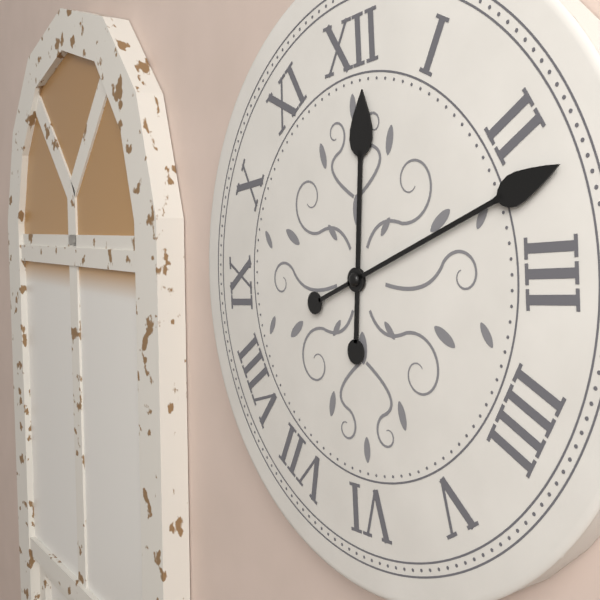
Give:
12h12
